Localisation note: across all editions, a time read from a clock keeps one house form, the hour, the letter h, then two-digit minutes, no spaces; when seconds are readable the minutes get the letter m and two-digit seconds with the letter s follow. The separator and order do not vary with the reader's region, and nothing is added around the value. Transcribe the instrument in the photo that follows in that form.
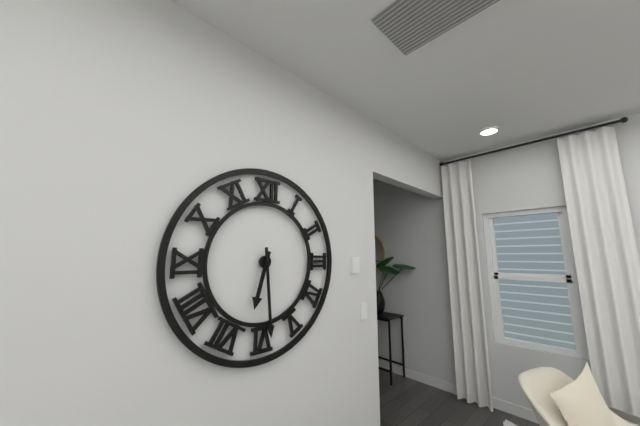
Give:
6h29
